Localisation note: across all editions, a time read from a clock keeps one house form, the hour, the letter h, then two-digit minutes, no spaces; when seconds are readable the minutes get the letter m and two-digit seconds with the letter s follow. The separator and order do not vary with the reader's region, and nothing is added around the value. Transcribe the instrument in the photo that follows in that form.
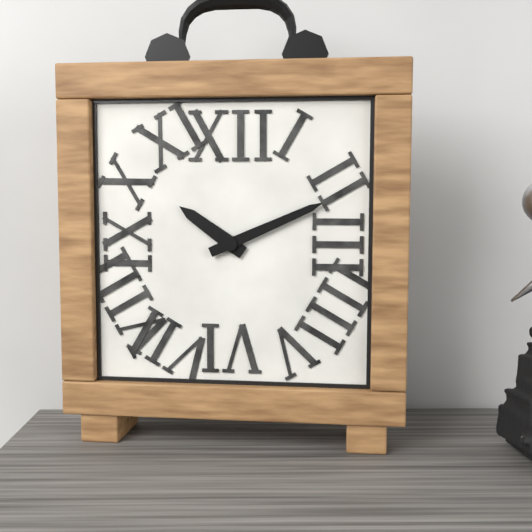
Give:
10h11
